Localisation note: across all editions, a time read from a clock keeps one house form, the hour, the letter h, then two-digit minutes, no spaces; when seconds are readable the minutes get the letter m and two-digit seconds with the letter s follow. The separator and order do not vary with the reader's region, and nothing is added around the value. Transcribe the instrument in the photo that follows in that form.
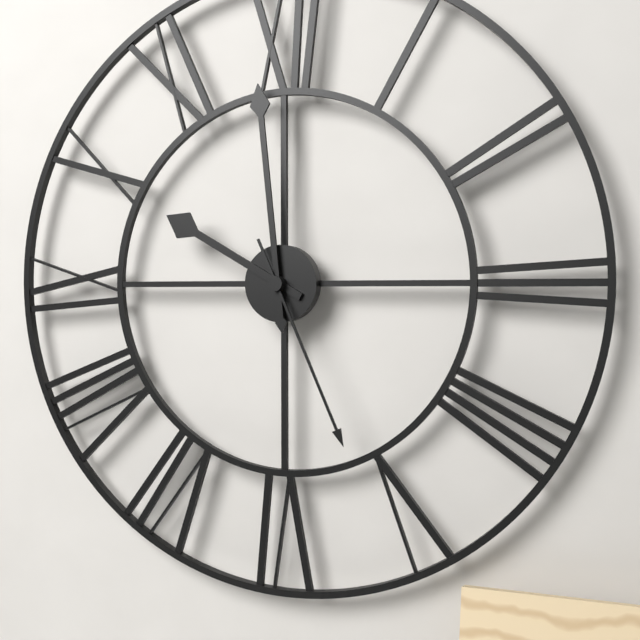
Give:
9h59m26s
